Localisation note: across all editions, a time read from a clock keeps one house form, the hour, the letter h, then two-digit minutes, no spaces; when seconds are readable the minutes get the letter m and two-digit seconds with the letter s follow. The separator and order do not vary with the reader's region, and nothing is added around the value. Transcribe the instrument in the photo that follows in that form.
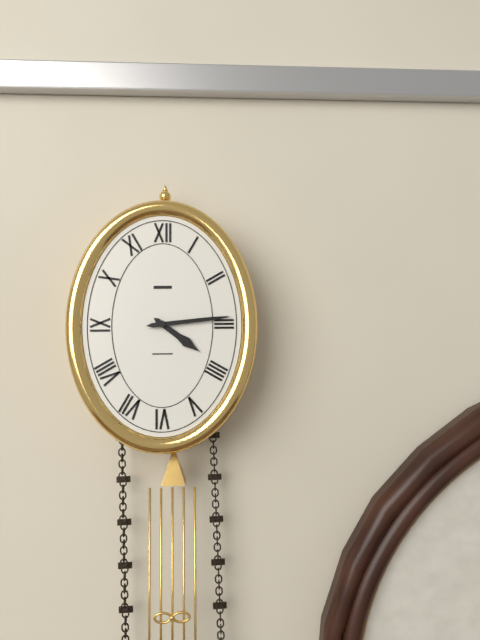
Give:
4h14
